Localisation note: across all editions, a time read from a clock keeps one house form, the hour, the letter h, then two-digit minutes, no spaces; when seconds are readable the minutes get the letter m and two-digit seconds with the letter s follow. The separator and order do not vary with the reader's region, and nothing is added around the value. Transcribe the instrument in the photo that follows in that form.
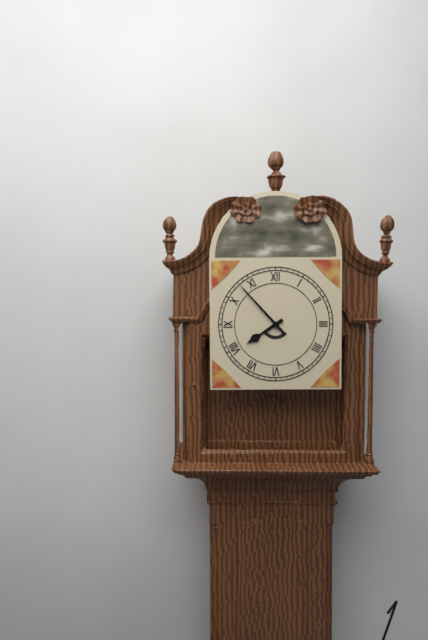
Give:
7h53
